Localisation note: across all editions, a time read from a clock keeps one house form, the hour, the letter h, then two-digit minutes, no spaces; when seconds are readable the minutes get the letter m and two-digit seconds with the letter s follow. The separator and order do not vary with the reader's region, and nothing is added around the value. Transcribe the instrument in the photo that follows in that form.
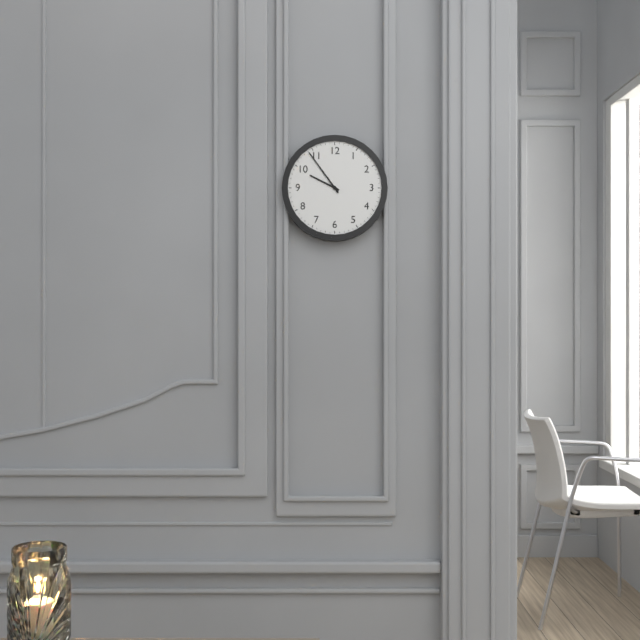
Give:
9h54
